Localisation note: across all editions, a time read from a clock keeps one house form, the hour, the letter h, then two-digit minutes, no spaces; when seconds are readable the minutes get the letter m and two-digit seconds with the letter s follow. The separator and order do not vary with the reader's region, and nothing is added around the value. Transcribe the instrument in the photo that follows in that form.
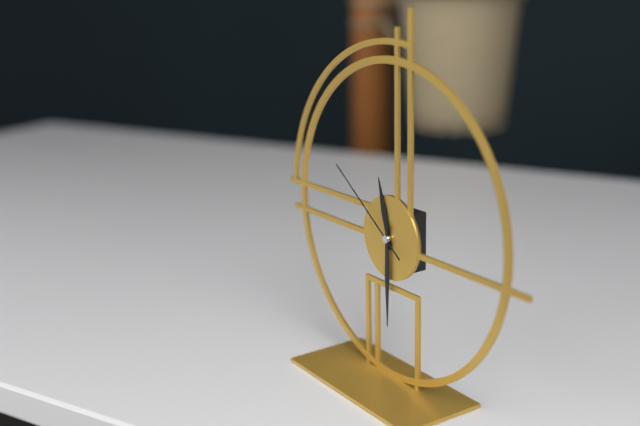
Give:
11h30m51s
